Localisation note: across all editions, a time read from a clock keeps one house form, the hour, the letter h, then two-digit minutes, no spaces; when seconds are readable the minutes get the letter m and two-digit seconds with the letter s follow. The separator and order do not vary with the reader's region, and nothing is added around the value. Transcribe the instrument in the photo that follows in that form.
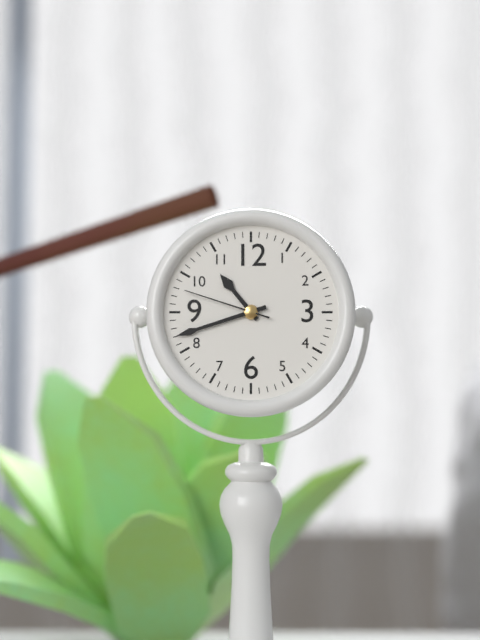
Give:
10h42m48s
